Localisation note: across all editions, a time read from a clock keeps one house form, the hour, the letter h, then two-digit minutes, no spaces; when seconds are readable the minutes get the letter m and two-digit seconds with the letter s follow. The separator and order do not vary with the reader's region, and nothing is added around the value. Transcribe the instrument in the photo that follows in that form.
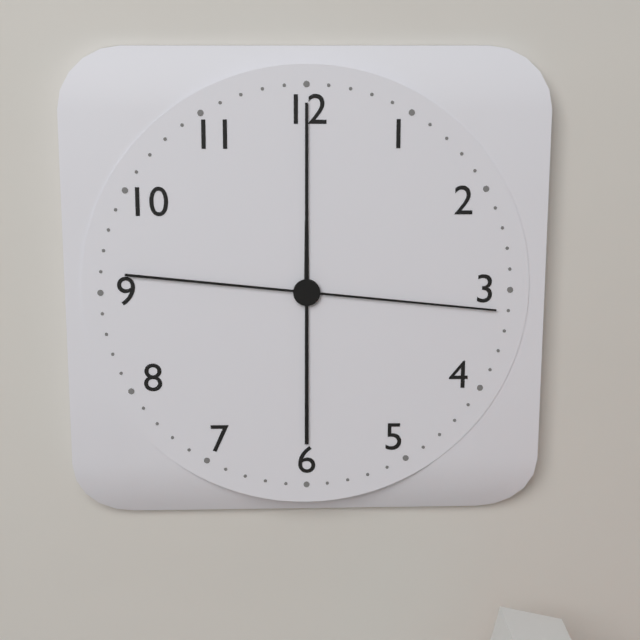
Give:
12h00m16s
